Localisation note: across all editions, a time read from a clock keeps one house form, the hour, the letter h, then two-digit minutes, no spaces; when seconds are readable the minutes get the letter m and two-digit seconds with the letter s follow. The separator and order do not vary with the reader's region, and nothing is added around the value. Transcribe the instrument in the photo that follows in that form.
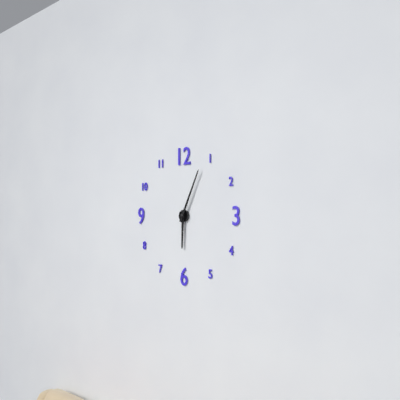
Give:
6h04
